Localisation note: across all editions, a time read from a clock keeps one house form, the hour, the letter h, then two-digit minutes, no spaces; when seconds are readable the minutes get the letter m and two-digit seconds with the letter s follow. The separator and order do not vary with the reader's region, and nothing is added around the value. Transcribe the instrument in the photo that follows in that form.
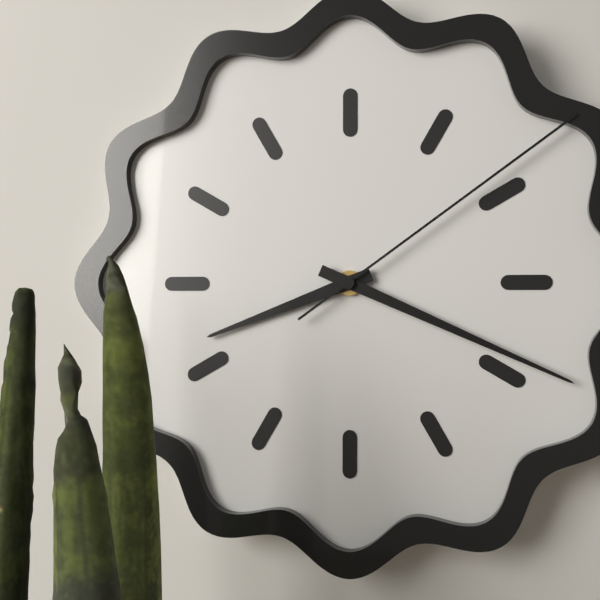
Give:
8h19m09s
